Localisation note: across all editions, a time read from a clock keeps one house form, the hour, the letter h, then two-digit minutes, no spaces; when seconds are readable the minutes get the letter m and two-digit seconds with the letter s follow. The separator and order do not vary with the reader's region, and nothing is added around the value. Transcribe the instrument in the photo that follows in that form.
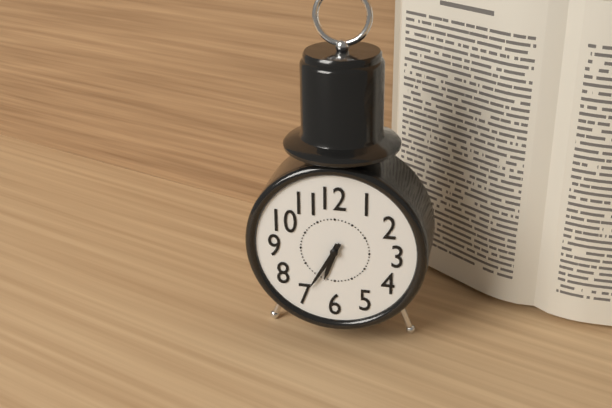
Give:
6h35
